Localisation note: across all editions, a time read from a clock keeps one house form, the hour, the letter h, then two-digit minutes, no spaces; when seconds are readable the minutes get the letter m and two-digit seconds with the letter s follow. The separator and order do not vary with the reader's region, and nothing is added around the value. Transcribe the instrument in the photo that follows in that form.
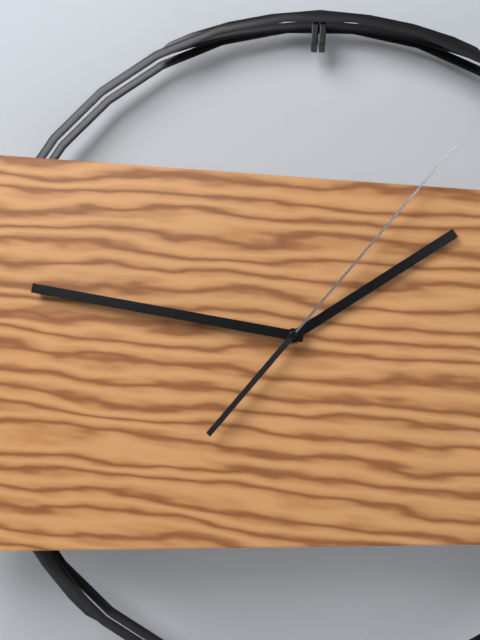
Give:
1h46m06s
